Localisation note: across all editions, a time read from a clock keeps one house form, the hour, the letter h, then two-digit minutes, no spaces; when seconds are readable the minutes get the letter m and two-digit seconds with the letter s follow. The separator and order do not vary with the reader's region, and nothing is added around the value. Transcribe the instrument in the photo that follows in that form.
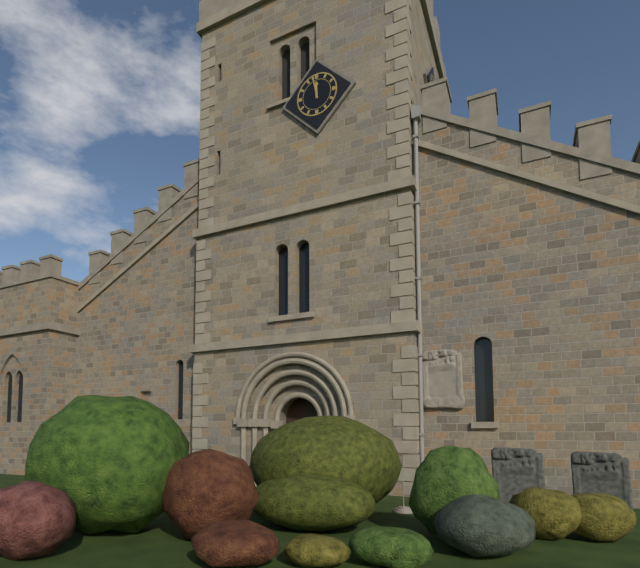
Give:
11h58
